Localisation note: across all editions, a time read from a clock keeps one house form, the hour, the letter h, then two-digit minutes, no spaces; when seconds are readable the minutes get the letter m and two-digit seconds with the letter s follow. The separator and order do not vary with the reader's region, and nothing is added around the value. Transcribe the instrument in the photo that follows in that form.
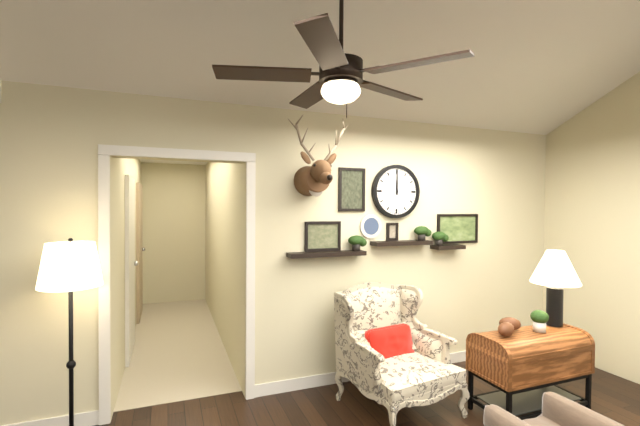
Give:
12h00
